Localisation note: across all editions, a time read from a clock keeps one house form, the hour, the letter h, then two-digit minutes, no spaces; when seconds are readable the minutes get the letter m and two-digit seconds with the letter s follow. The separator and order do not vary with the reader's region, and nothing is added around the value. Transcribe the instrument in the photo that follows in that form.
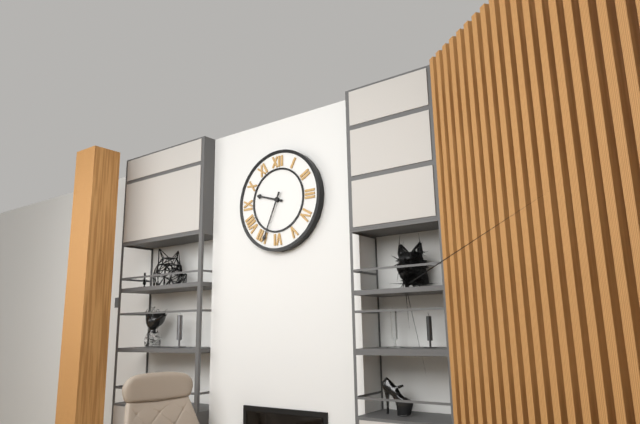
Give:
9h34
